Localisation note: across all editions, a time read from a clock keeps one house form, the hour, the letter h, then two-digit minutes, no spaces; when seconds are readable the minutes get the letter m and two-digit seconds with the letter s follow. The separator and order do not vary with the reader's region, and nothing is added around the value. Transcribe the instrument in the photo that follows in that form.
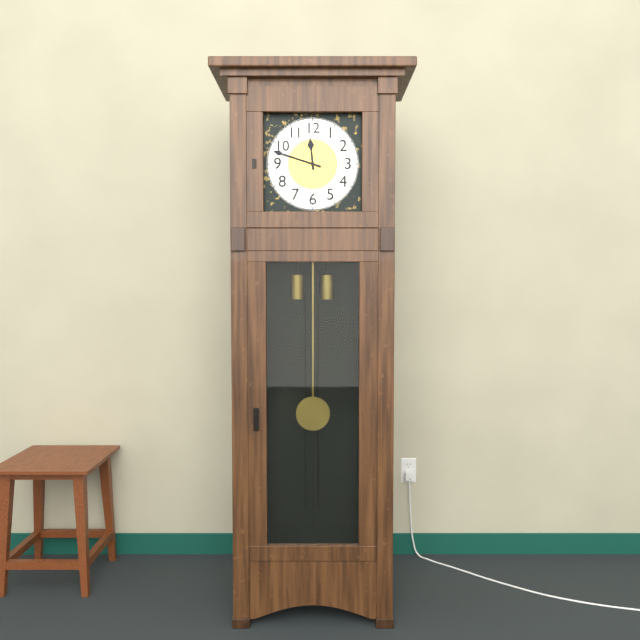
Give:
11h48
